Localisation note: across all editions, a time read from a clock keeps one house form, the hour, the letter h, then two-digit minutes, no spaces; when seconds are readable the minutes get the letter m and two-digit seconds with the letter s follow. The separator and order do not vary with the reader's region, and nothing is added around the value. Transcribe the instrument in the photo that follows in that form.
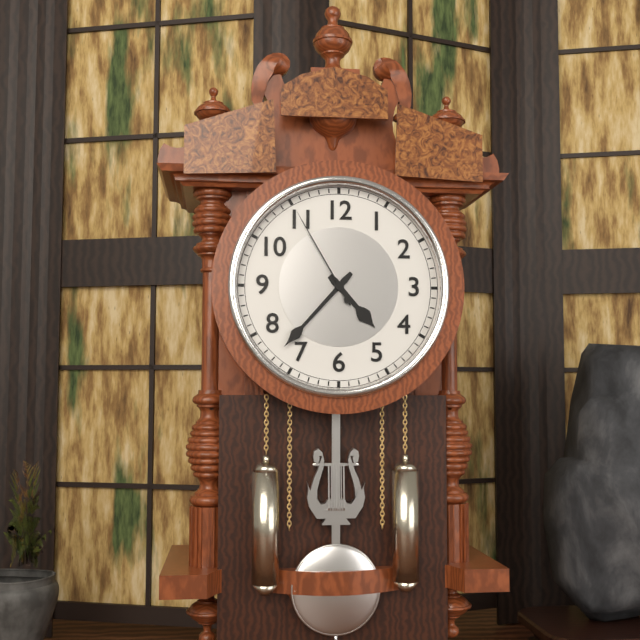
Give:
4h37m55s
